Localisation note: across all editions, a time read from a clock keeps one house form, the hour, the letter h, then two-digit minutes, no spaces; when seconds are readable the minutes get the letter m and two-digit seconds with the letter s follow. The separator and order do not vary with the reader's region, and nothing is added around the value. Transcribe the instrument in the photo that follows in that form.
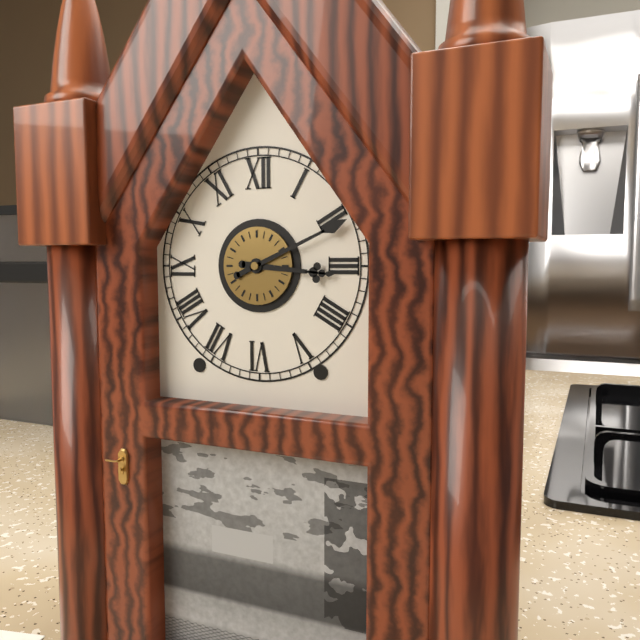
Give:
3h11
